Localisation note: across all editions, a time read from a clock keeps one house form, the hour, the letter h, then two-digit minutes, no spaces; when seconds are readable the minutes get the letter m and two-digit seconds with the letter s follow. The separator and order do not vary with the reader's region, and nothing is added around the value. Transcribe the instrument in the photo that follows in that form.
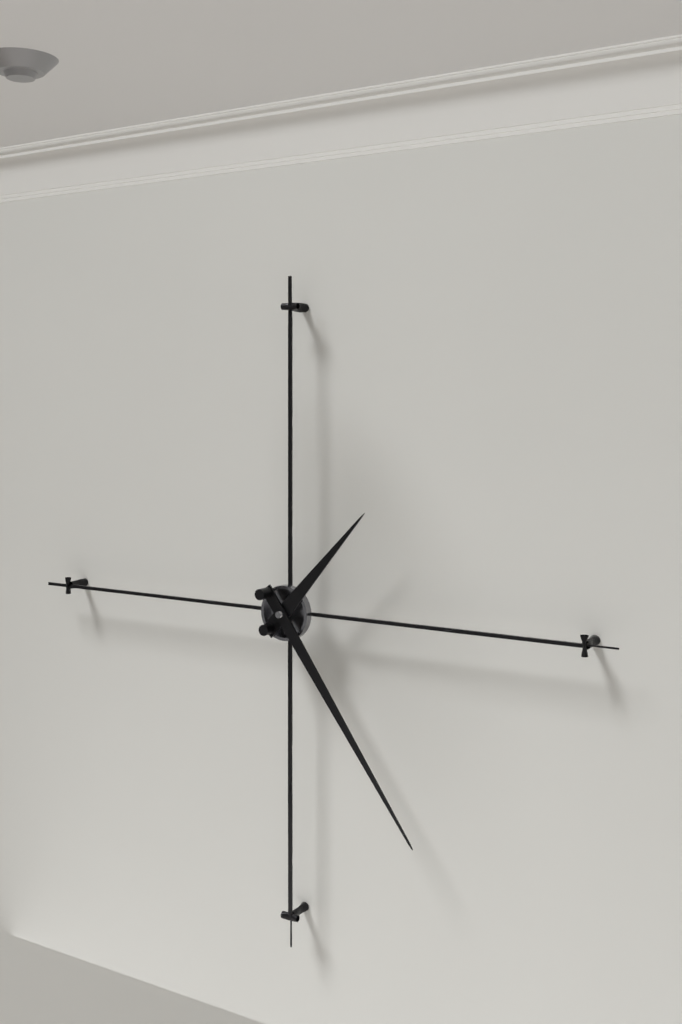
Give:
1h24
